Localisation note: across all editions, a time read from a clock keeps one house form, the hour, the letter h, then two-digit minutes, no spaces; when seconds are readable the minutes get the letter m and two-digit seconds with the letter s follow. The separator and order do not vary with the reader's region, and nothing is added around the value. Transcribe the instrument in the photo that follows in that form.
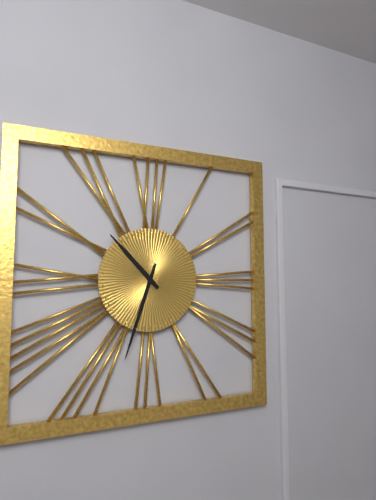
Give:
10h33
